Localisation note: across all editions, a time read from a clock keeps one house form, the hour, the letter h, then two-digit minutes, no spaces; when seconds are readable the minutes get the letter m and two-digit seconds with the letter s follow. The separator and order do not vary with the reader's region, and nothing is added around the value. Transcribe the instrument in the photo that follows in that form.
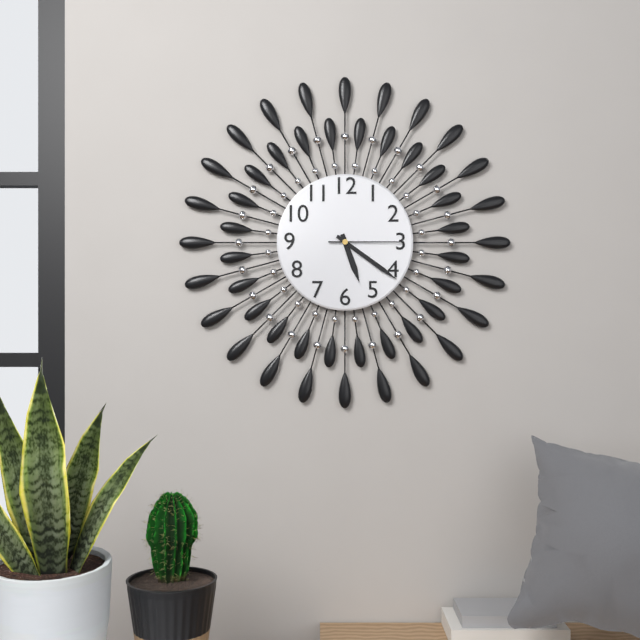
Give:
5h21m15s
